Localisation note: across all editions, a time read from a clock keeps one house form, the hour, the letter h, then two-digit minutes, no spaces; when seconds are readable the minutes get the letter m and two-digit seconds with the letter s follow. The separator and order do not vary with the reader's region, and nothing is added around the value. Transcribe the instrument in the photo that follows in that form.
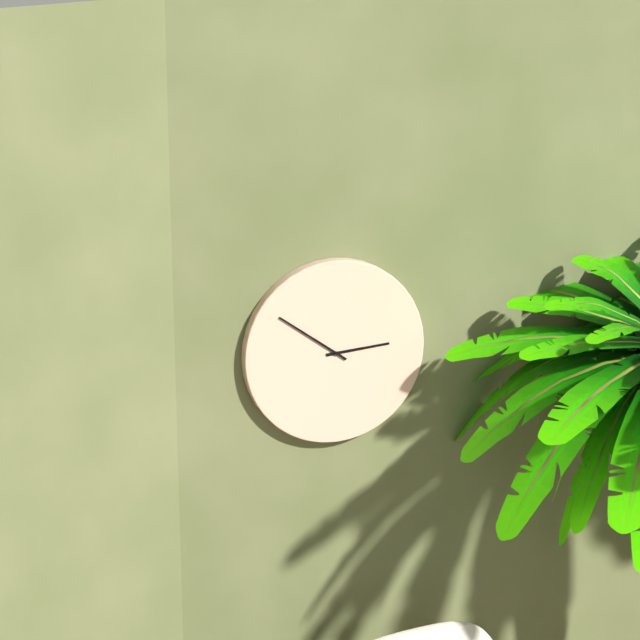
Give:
2h51
